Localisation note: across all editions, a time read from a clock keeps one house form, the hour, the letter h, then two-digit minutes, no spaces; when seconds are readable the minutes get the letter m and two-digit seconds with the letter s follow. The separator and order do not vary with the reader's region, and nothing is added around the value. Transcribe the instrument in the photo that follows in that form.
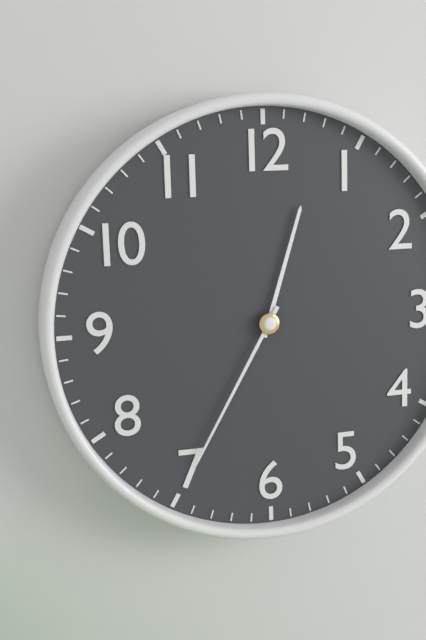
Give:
12h35
